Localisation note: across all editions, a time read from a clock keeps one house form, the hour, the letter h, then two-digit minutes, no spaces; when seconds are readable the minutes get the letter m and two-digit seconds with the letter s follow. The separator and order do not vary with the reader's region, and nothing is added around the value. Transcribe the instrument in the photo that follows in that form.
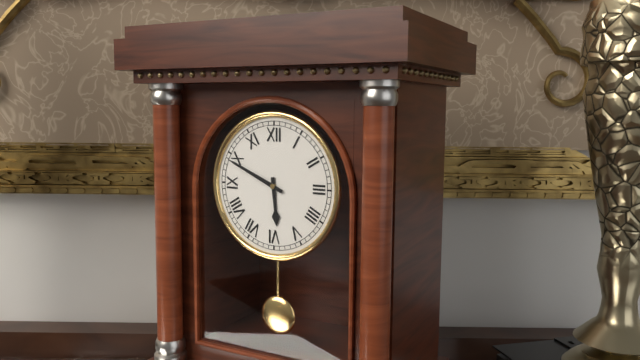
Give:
5h49
